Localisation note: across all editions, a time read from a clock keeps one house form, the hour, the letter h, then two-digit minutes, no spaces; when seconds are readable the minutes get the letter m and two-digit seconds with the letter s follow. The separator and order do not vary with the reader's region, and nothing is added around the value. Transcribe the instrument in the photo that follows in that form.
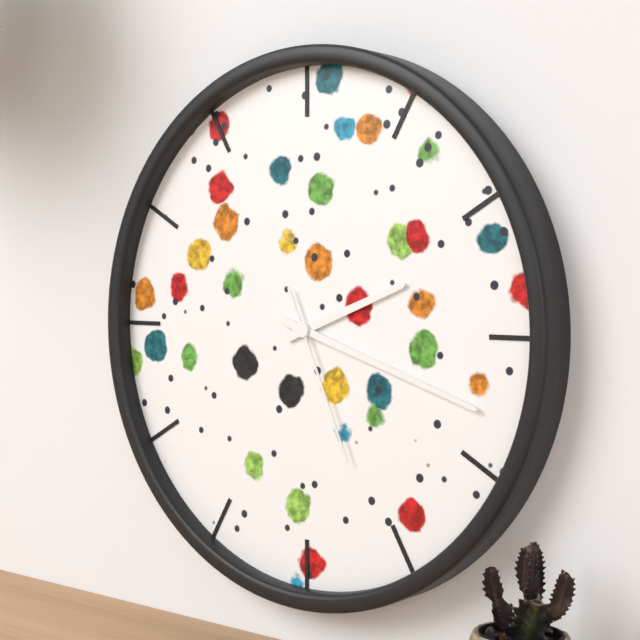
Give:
2h18m26s
